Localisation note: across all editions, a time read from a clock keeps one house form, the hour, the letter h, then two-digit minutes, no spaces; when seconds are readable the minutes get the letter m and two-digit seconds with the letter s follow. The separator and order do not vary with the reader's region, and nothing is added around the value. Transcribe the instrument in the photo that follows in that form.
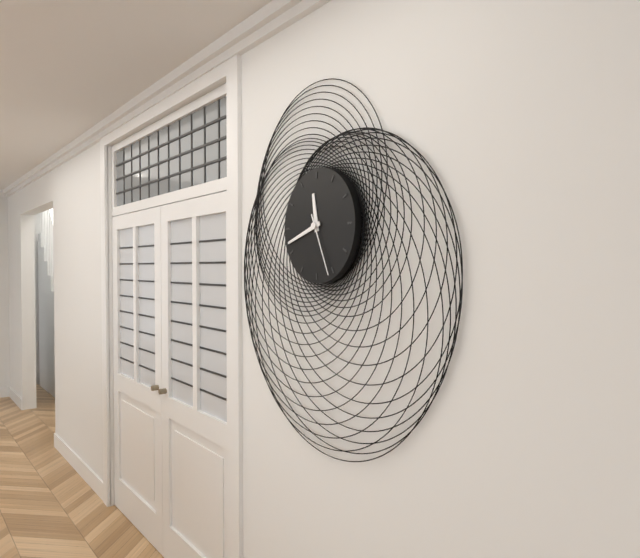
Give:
11h42m26s
